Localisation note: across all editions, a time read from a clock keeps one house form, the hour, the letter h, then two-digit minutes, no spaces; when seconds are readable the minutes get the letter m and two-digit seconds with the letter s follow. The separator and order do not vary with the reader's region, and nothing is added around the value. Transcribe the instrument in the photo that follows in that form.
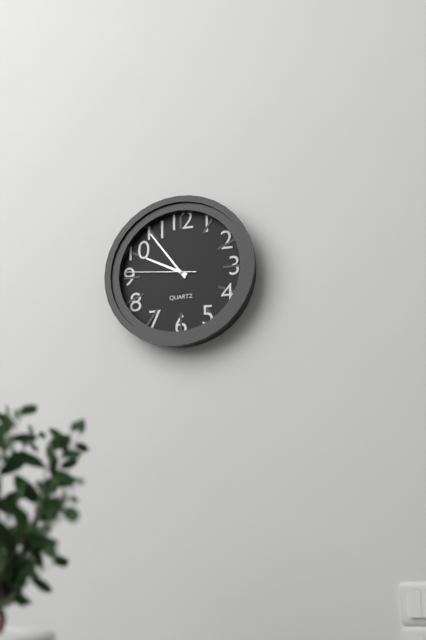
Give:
9h54m46s
